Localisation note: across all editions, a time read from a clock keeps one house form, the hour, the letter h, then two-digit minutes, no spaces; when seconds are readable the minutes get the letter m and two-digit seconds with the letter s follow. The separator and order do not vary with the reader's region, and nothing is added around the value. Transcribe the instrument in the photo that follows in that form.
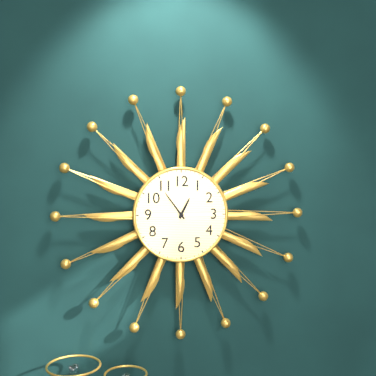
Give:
12h54
